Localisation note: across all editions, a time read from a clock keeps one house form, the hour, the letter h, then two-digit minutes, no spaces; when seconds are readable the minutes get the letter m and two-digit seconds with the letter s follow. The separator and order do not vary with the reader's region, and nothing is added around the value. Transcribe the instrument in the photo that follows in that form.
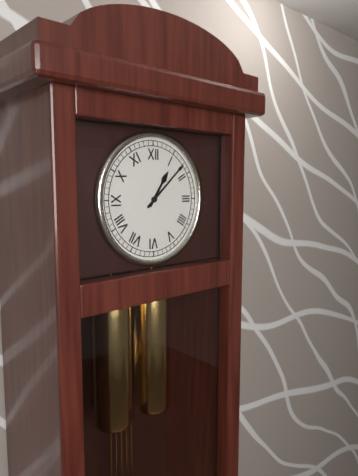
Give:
1h08
